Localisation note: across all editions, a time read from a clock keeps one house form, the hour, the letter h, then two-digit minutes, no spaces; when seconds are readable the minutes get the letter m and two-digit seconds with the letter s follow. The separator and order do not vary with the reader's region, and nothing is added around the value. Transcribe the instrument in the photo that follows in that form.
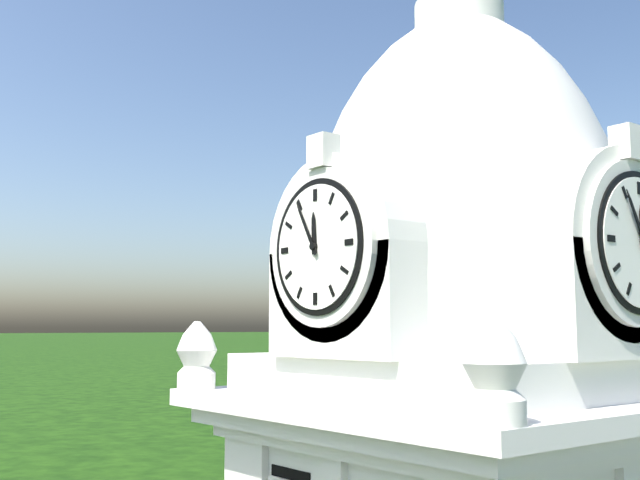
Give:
11h55
